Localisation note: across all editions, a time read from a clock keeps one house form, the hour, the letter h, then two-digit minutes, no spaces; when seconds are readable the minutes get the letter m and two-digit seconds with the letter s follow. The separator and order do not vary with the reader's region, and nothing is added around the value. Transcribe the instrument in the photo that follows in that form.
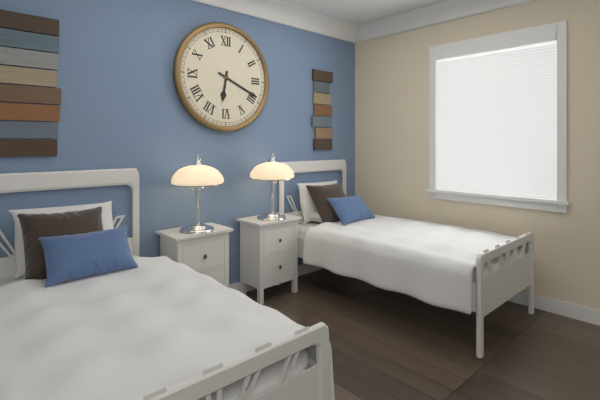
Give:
6h19
